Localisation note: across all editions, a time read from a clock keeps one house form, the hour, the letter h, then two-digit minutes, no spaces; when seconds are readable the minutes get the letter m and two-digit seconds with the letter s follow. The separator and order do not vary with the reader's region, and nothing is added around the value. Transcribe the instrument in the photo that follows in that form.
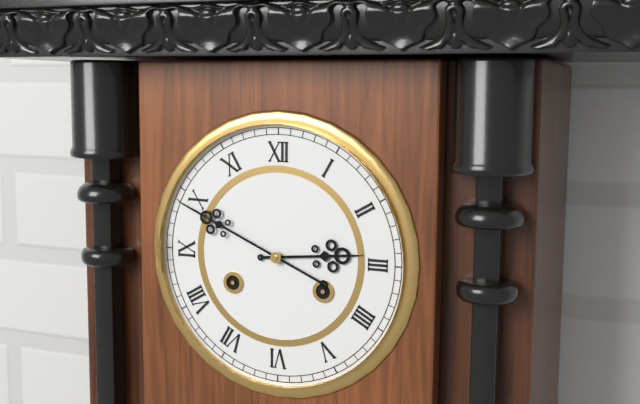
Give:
2h49
